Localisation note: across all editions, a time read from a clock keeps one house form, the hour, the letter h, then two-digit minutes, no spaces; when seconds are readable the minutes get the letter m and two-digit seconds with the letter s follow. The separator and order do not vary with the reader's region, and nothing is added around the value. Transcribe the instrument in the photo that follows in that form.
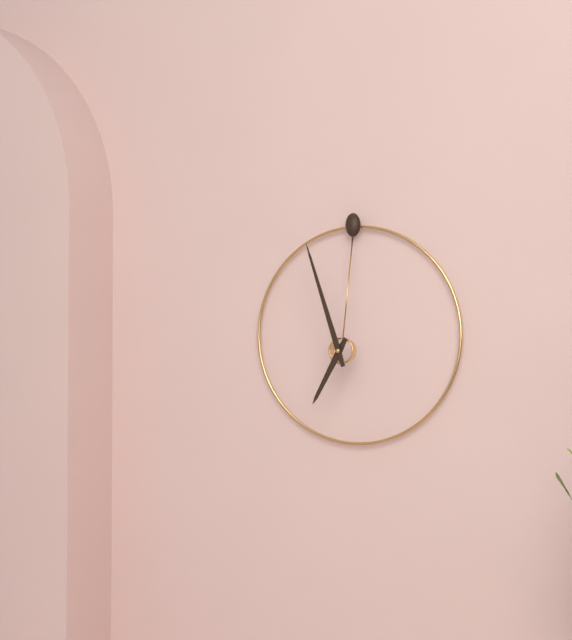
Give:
6h57
